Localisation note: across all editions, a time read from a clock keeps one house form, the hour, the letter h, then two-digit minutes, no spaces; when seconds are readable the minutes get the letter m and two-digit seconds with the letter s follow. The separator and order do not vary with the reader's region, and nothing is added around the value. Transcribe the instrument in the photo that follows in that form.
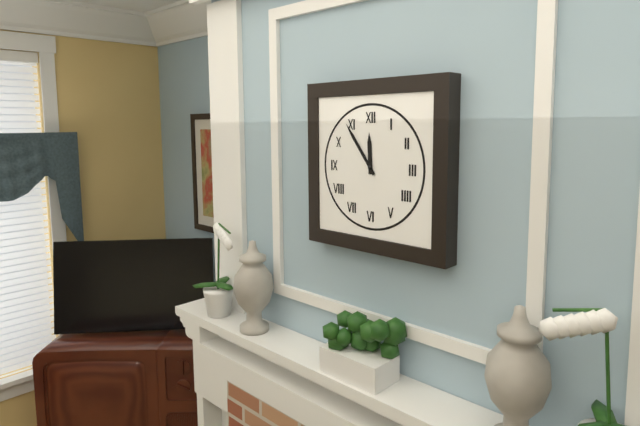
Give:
11h54
